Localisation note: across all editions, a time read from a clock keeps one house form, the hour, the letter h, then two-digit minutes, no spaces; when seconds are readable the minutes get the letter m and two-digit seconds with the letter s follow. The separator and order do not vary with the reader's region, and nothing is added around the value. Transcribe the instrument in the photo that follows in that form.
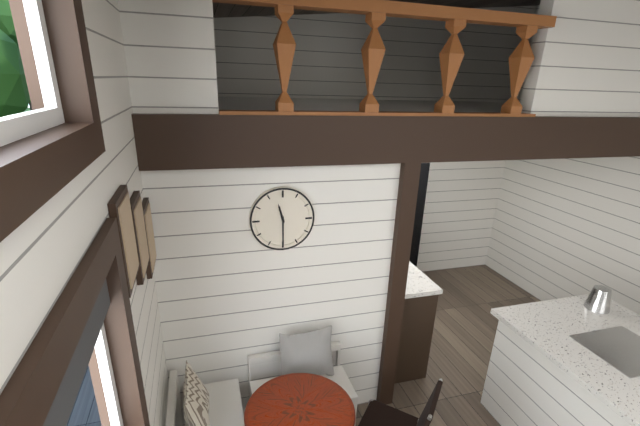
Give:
11h30
